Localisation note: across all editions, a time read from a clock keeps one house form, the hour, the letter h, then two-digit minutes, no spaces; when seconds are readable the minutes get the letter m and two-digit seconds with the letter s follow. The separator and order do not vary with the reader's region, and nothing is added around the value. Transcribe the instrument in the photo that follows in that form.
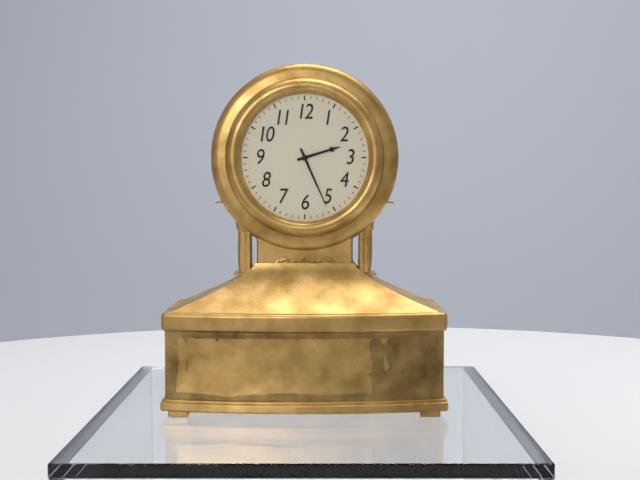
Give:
2h26
